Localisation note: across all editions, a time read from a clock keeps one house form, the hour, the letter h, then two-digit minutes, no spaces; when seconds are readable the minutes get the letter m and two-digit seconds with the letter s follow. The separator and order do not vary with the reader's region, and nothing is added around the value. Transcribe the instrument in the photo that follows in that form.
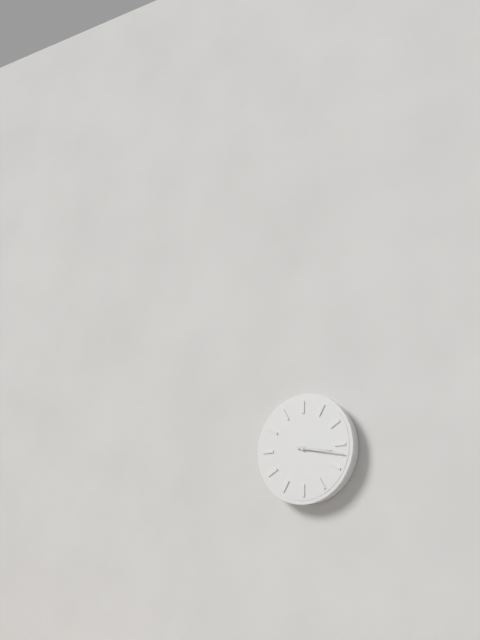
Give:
3h17
